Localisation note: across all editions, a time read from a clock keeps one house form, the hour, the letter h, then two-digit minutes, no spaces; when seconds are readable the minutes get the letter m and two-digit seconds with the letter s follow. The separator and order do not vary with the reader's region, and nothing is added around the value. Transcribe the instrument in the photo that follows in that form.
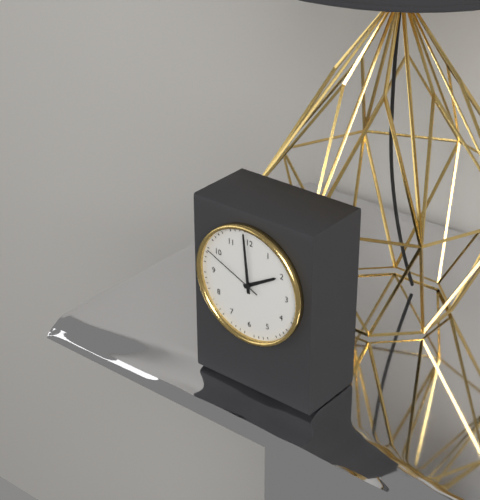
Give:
1h59m49s
